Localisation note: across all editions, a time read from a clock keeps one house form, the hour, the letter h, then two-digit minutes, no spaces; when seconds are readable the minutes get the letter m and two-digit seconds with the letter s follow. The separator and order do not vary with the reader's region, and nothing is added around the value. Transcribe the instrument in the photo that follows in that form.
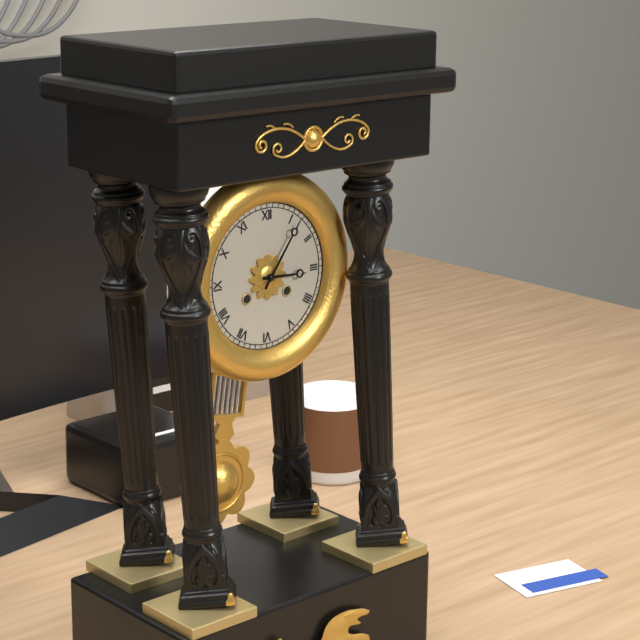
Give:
3h06
